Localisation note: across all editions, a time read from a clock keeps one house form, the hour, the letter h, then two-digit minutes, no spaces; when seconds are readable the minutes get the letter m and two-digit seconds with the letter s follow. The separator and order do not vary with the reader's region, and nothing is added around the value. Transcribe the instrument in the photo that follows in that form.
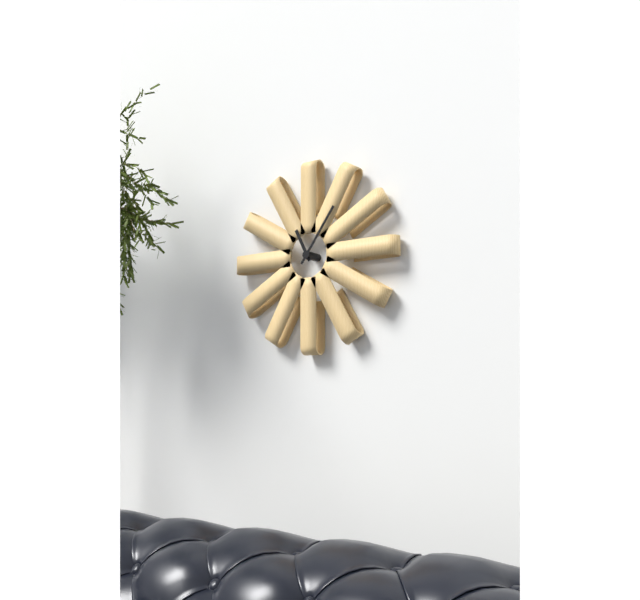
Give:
11h06
